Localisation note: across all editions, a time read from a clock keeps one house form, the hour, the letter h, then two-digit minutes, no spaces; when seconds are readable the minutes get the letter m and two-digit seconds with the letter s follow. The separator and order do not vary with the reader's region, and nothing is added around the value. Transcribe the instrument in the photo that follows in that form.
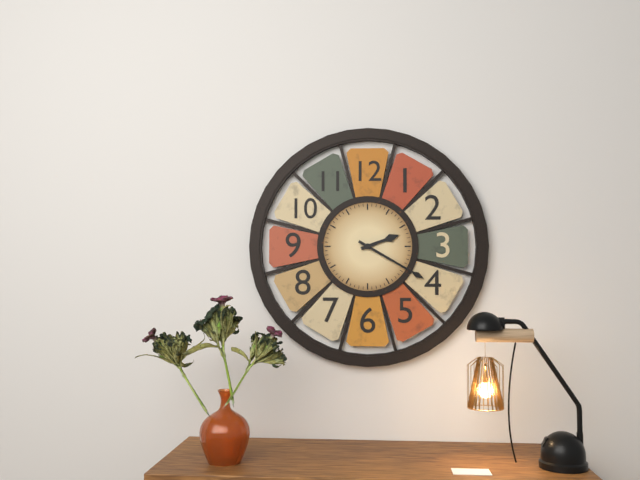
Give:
2h20
